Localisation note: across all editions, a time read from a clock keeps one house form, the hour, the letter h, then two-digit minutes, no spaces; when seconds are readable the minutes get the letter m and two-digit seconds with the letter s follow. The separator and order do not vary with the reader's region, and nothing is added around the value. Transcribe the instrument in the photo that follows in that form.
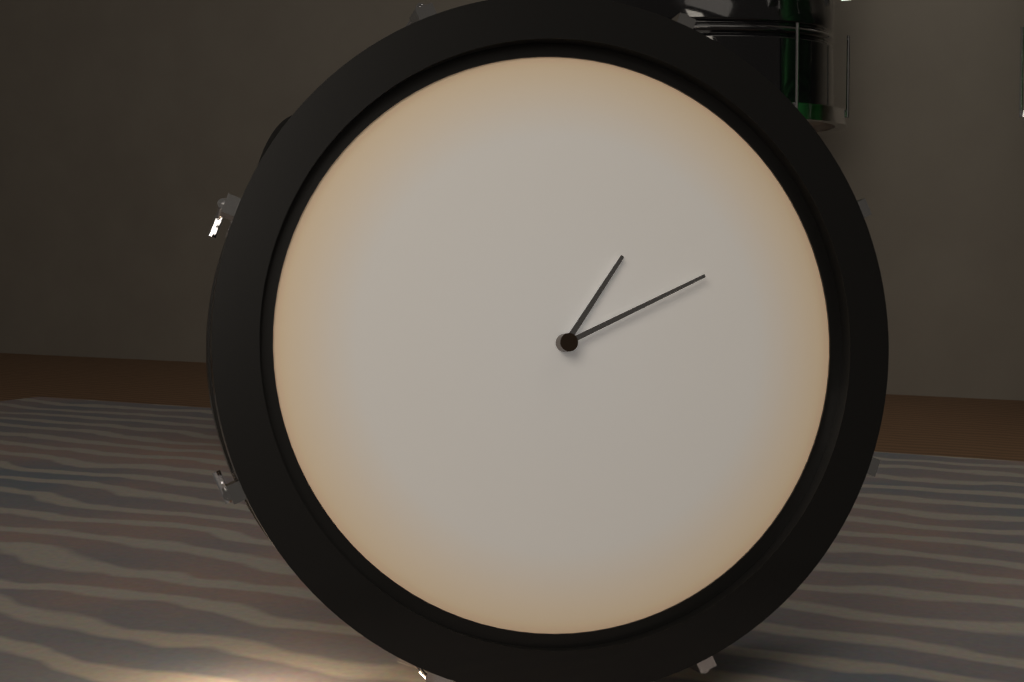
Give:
1h11
